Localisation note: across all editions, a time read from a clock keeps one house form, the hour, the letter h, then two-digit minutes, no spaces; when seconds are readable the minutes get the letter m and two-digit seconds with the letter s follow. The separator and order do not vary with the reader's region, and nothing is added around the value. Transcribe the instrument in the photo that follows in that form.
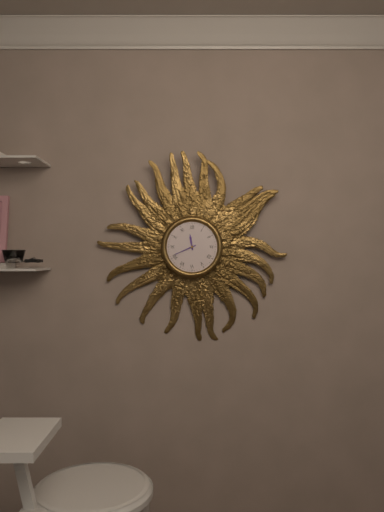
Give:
11h41
